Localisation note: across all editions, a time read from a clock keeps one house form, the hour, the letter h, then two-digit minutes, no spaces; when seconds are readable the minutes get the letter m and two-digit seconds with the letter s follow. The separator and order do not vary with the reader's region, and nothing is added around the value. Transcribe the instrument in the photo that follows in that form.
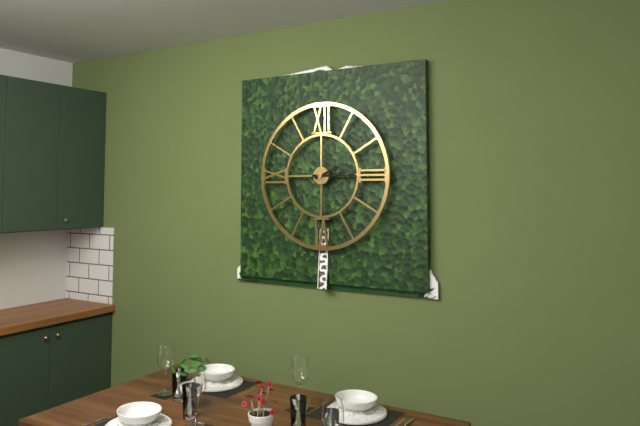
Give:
2h15
